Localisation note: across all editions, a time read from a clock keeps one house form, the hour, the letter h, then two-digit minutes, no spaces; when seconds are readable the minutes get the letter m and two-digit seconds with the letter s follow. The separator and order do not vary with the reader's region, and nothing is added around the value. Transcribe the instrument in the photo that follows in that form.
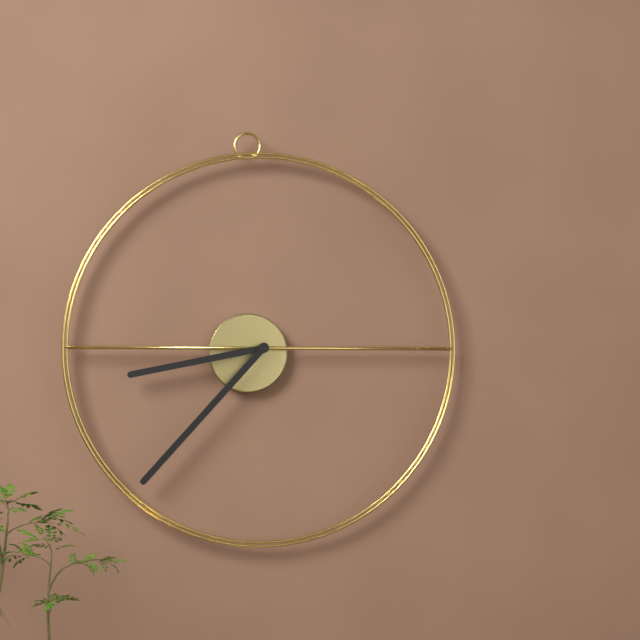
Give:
8h37
